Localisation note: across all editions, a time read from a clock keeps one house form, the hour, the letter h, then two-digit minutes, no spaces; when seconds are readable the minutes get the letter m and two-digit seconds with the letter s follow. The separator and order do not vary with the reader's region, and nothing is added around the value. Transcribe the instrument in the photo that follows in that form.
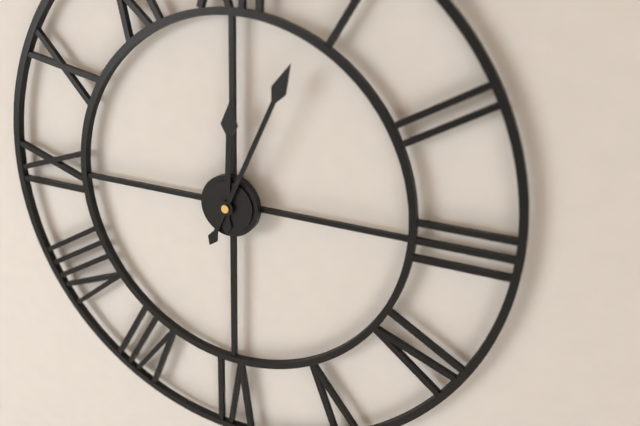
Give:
12h04
